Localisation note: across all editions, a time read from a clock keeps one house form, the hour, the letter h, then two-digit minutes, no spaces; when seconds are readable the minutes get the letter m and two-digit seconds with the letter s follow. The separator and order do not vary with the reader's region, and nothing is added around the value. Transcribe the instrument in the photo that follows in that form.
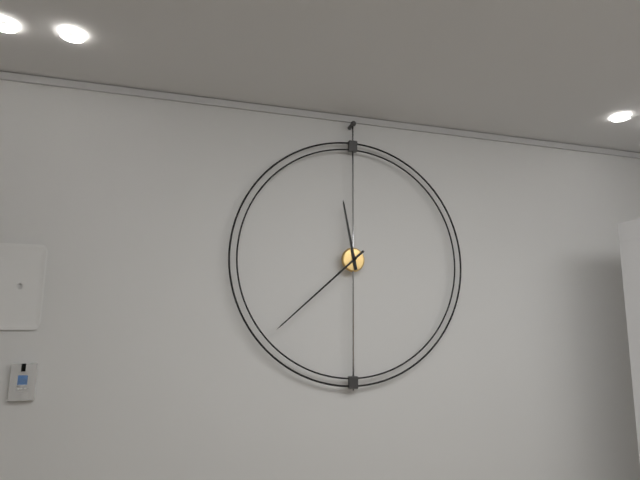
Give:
11h38
